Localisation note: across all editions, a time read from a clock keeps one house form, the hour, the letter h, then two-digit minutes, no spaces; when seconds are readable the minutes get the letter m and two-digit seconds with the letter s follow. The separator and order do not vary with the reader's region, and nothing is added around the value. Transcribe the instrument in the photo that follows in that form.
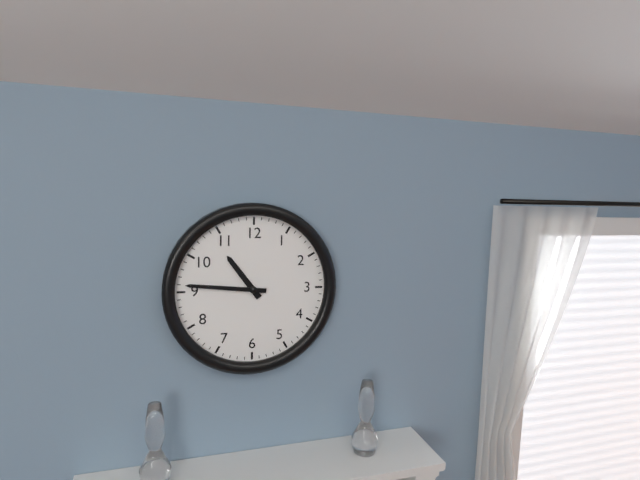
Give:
10h46
